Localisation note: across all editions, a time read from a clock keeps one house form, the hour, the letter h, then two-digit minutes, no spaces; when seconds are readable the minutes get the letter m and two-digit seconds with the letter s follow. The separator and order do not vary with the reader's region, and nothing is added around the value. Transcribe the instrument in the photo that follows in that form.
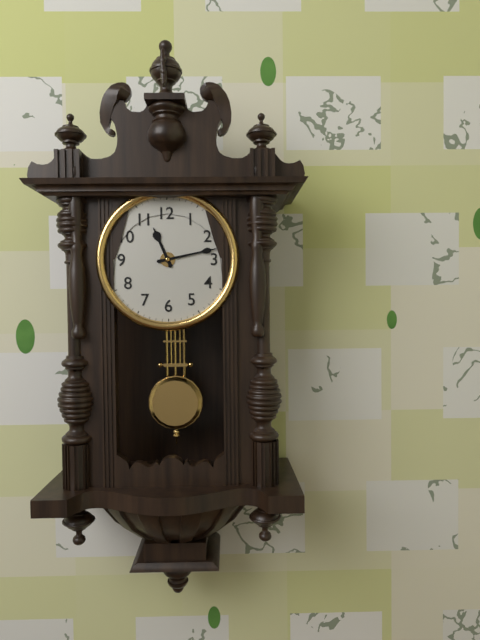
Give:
11h13
